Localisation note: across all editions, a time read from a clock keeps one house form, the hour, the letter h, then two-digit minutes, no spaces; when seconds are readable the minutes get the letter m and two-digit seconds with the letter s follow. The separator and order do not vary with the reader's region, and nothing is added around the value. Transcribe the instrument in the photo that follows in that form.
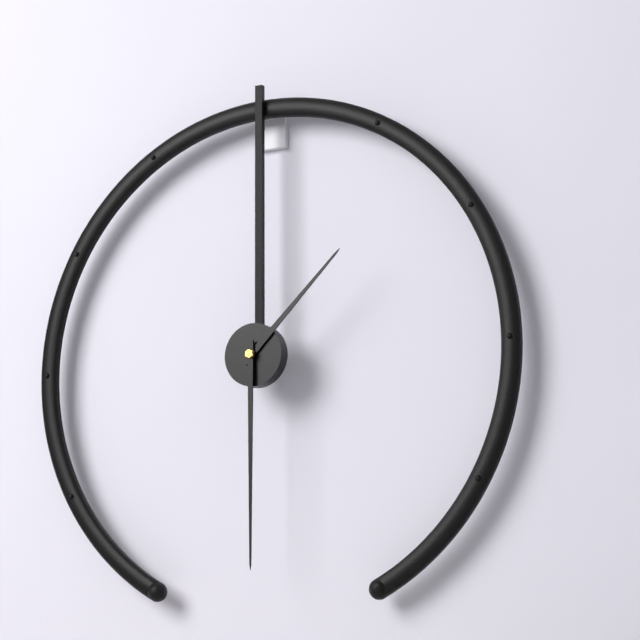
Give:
1h30
